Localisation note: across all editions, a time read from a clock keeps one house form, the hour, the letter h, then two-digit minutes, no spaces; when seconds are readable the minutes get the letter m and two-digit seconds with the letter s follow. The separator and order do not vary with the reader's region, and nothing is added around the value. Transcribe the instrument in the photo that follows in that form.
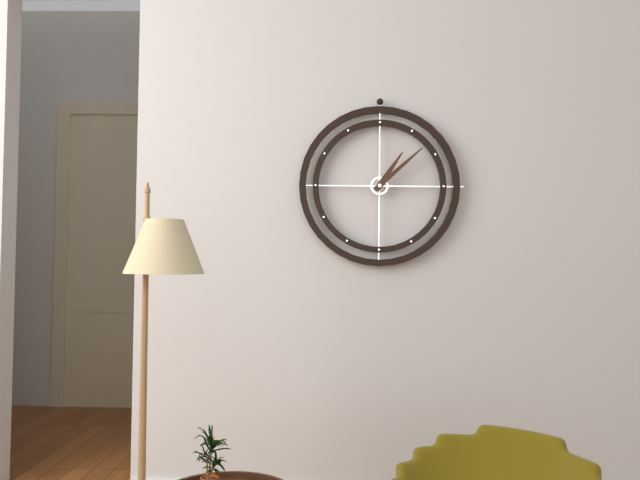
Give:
1h08
